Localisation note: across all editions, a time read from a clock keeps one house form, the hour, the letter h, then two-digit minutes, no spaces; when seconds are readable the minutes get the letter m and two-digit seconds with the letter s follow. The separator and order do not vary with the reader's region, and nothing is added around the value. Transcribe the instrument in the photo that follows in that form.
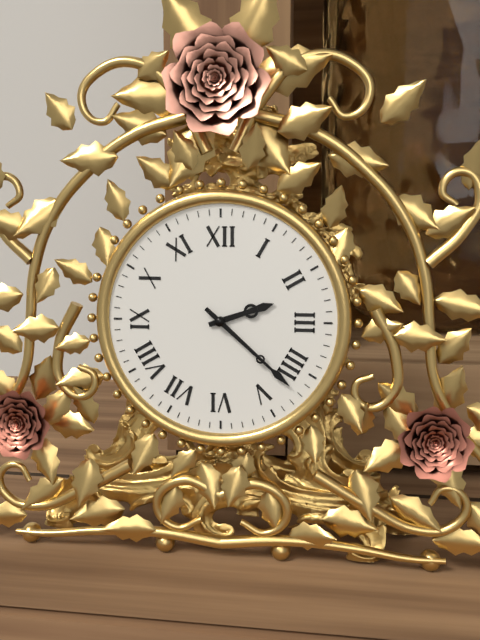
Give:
2h22
